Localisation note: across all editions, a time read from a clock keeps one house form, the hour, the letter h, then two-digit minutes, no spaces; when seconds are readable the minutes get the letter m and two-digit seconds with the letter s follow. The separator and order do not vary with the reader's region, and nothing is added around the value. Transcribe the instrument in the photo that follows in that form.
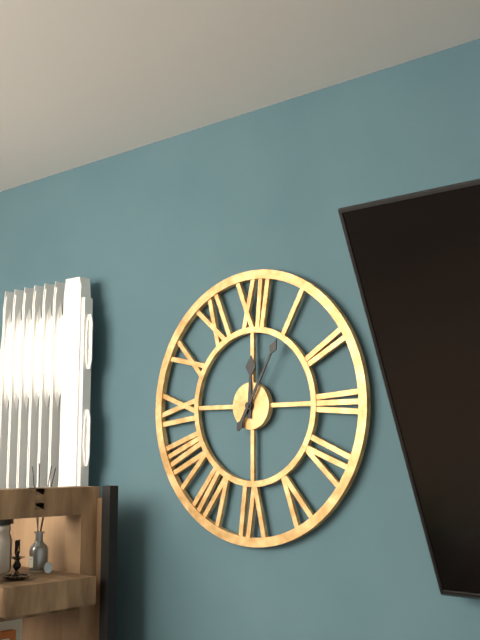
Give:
12h05
